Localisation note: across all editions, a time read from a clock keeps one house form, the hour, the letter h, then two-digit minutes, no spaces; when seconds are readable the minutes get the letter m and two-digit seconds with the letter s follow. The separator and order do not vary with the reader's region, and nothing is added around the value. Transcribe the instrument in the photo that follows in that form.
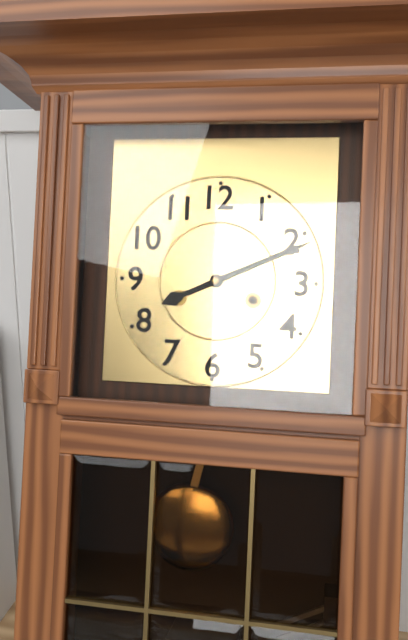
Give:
8h11
